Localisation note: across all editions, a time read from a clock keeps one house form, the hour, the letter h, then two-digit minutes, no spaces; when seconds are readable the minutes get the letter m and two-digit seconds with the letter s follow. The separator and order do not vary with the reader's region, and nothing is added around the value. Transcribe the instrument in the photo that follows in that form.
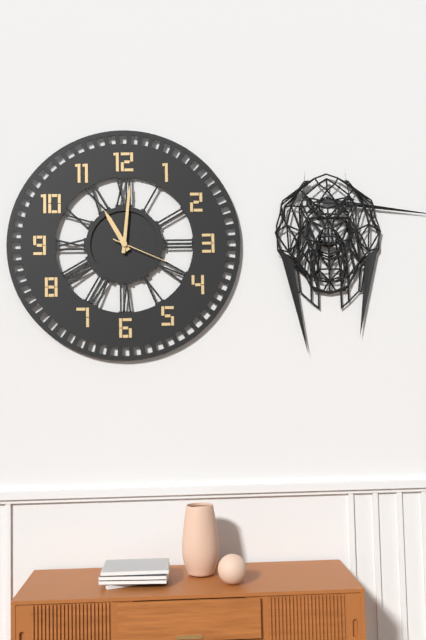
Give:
11h01m19s
